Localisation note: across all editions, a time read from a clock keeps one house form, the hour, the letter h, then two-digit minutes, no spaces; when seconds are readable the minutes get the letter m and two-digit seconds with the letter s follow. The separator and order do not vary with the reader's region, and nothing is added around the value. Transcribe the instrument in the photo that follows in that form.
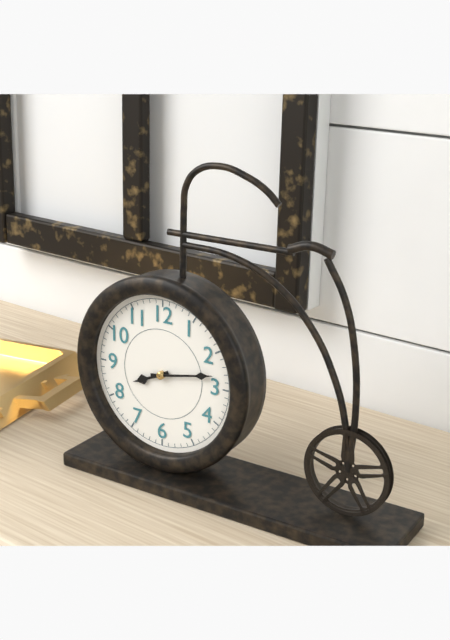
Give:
8h13
